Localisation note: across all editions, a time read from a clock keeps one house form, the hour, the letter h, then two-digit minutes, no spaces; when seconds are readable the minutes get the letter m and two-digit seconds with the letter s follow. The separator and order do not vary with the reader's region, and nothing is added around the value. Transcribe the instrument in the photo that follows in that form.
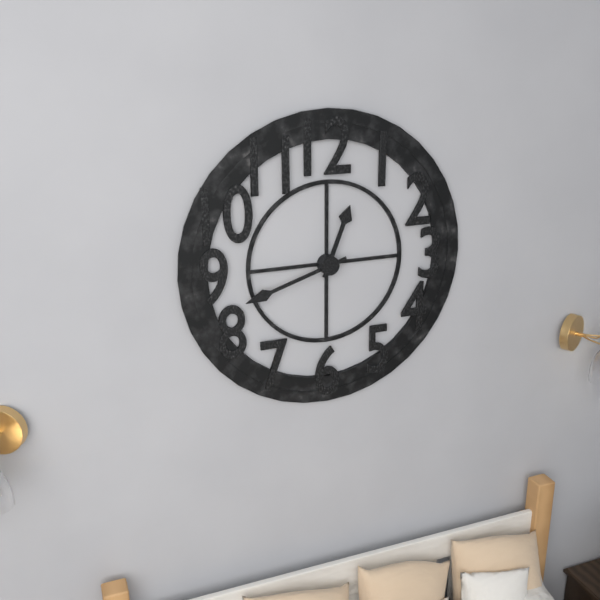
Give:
12h42
